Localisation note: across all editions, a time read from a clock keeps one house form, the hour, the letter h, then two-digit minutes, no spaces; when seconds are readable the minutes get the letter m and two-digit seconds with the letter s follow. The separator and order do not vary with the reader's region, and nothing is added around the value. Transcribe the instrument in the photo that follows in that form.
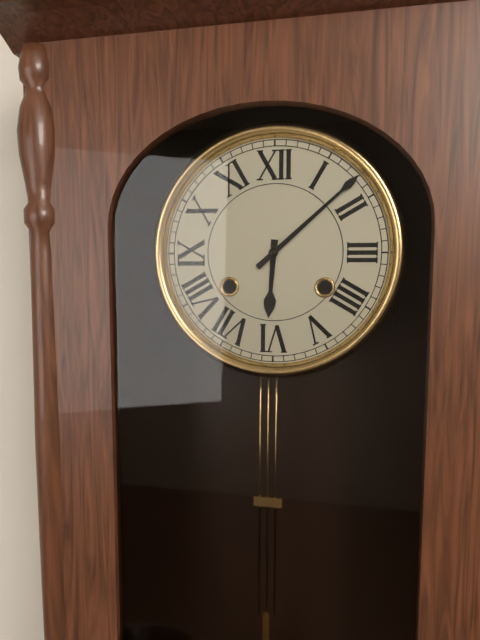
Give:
6h08
